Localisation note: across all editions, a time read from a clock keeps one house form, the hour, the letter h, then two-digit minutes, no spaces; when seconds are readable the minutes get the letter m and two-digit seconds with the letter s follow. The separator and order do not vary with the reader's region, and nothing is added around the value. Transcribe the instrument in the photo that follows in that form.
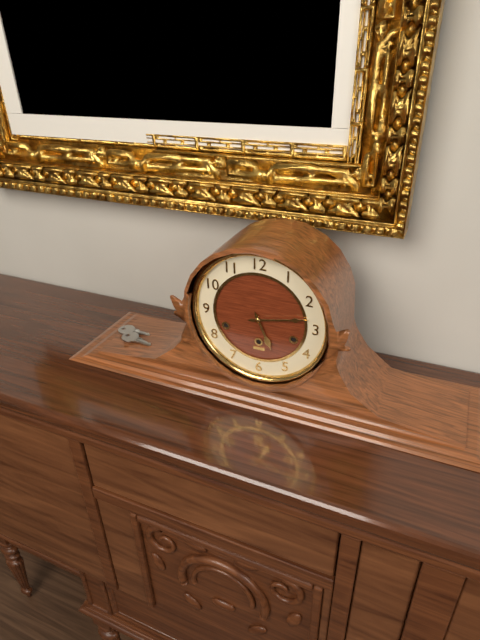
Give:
5h13
